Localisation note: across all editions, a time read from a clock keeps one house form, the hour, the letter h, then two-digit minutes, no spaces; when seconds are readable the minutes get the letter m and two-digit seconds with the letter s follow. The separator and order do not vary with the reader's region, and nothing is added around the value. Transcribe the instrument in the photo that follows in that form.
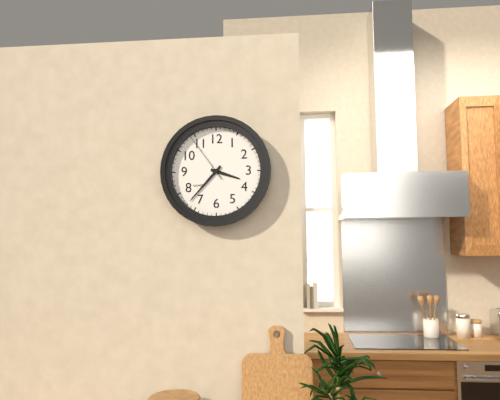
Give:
3h37m54s
